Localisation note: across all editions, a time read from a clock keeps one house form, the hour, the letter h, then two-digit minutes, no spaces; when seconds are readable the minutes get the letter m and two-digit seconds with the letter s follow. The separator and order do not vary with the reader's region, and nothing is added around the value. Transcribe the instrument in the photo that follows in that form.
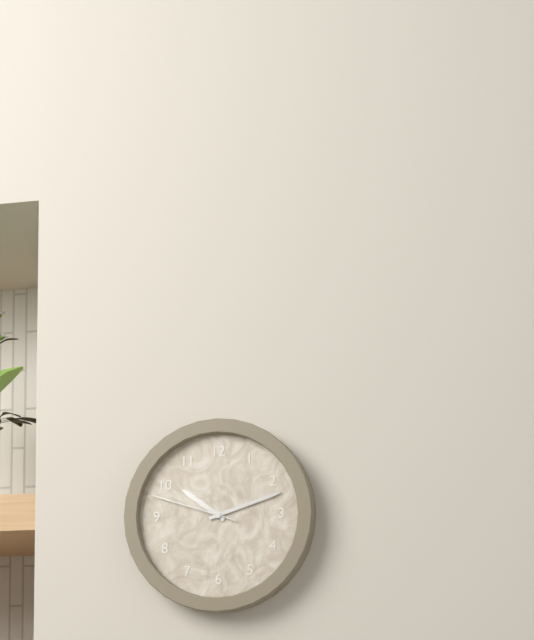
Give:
10h12m48s
